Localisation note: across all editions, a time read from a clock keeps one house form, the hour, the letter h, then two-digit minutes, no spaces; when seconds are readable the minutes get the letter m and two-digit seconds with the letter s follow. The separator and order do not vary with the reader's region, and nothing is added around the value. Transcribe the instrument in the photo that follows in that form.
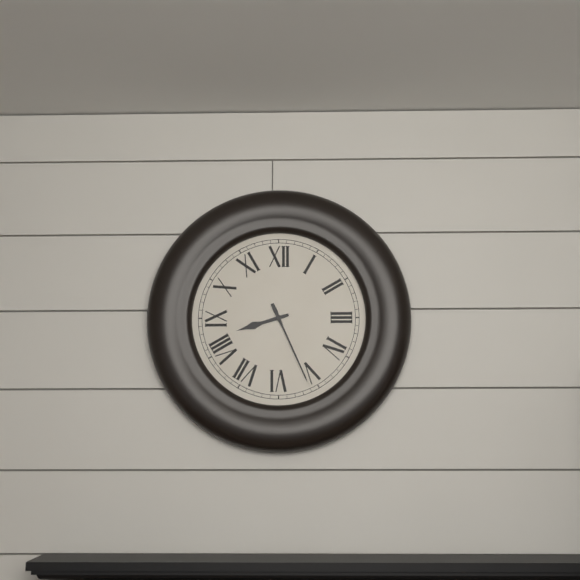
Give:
8h26
